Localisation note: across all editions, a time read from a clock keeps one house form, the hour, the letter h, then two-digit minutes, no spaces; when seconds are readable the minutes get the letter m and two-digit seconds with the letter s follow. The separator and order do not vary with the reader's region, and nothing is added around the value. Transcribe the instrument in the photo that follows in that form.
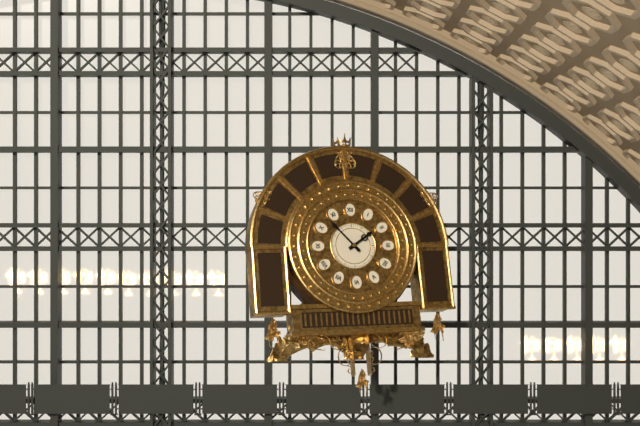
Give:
1h53
